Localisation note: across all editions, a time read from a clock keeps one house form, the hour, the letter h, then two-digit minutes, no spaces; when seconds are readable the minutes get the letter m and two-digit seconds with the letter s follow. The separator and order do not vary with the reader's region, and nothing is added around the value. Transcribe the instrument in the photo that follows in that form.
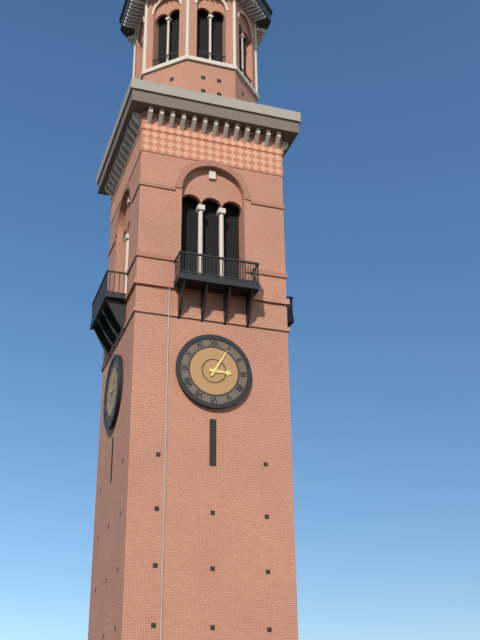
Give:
3h05
